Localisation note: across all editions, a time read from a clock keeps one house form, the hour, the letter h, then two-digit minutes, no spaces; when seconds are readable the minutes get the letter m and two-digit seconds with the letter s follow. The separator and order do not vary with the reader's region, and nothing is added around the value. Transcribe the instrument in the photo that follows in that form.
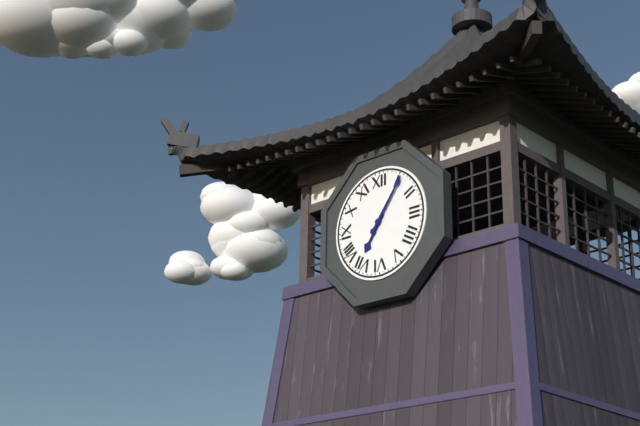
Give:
7h06
